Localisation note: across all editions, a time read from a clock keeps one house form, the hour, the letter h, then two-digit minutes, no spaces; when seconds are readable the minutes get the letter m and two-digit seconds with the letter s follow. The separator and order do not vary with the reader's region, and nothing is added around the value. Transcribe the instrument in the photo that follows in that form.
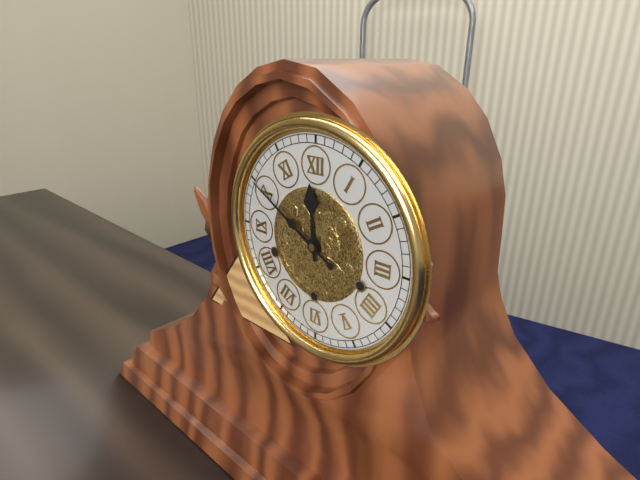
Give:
11h50
